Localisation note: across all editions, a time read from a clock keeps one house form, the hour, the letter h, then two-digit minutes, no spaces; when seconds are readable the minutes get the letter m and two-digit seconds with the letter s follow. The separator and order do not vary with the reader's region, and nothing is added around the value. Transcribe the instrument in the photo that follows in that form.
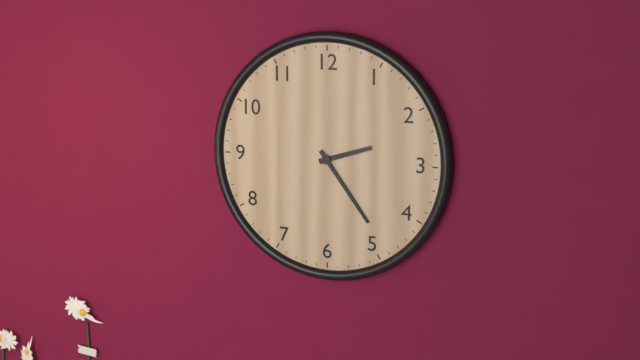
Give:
2h24
